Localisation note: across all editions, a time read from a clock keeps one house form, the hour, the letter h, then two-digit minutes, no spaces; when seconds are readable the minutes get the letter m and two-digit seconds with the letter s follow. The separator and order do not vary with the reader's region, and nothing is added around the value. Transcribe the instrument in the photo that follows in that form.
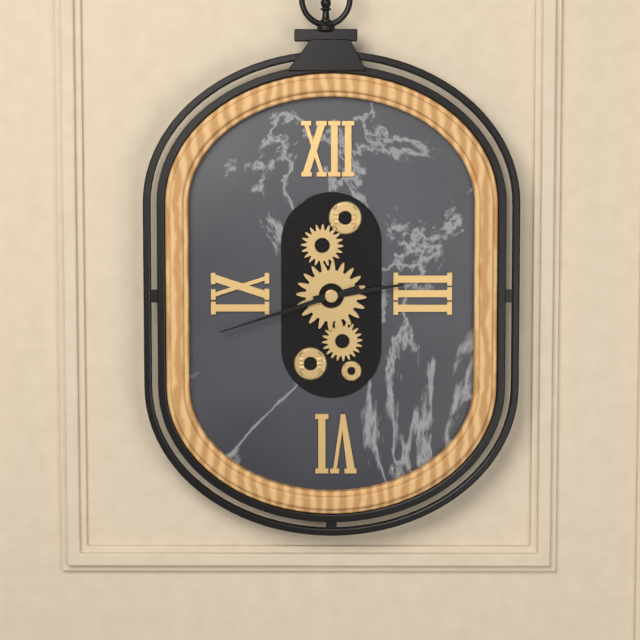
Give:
2h42
